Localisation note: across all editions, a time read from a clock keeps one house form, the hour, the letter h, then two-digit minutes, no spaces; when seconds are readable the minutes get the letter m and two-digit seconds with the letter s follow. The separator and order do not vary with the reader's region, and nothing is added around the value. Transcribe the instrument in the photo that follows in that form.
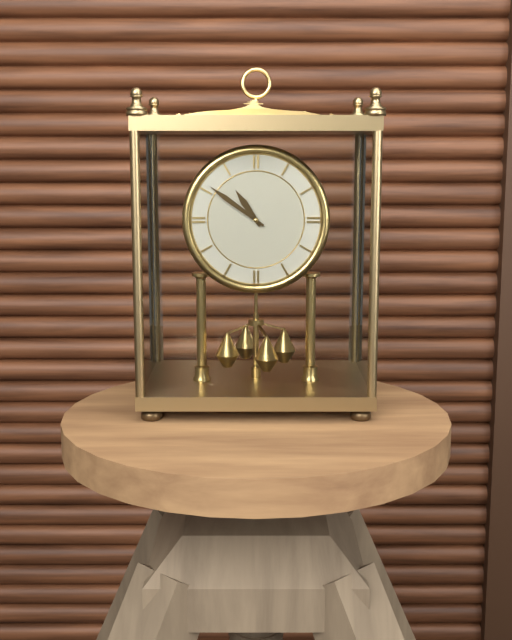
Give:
10h51
